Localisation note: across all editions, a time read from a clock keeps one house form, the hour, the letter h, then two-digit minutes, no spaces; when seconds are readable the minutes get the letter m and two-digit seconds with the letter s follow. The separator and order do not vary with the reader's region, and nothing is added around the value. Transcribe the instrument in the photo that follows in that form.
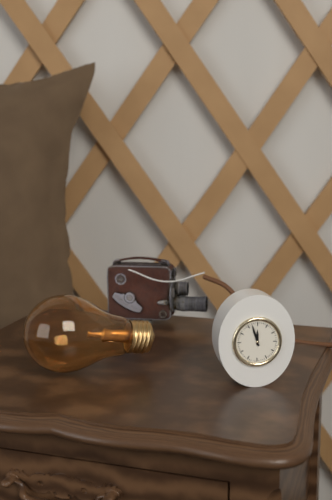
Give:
11h57
